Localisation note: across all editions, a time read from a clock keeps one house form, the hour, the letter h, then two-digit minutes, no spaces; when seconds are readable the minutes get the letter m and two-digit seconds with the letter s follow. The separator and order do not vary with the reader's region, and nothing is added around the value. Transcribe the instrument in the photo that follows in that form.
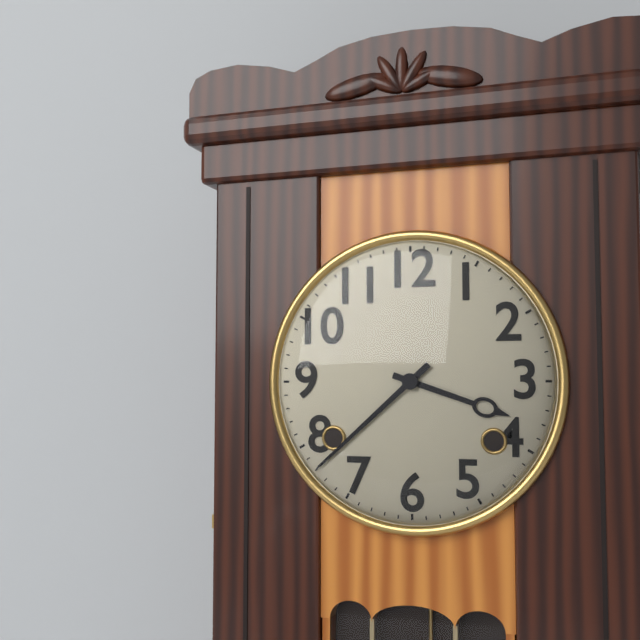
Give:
3h38
